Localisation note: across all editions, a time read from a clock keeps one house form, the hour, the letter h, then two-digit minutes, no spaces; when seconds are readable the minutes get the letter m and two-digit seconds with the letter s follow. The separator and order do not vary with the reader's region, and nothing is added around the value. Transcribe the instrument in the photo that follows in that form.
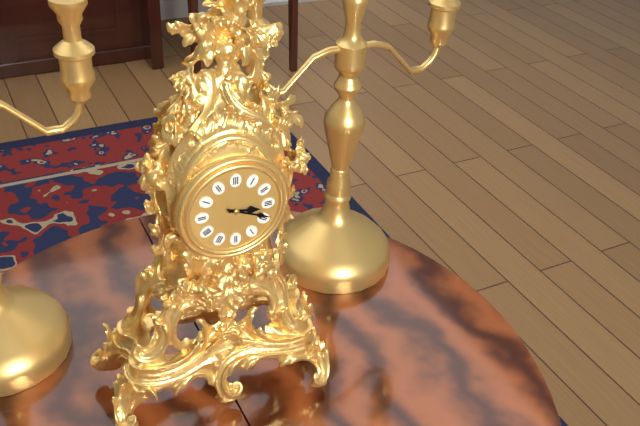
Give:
3h19
